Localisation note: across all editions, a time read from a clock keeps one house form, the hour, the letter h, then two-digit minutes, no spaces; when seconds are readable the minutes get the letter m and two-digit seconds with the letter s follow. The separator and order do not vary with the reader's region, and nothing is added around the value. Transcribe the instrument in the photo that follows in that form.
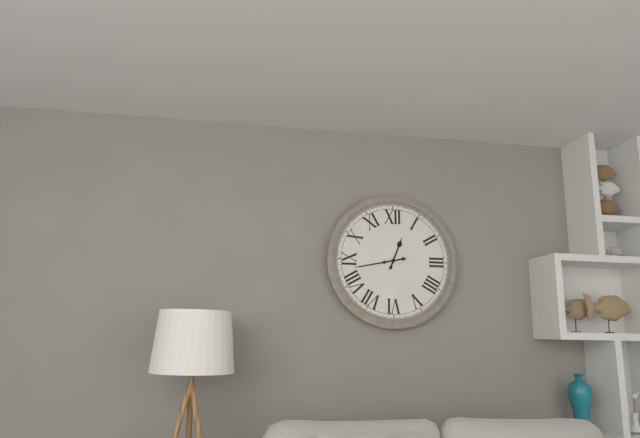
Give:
12h43
